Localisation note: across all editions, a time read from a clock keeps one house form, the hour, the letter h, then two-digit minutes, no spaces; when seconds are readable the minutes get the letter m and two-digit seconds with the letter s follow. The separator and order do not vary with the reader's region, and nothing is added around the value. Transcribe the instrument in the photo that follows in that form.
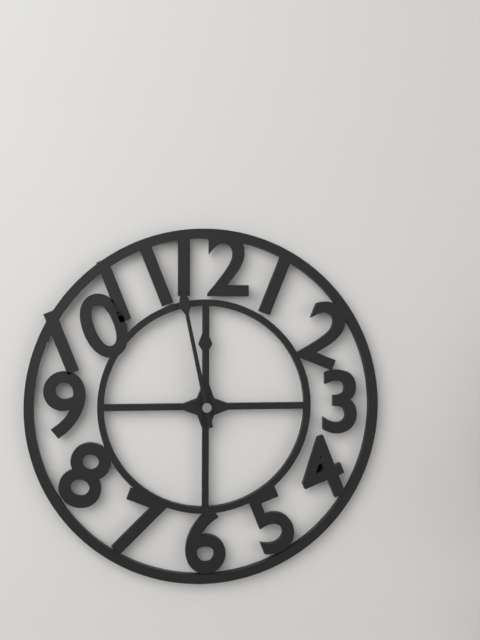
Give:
11h58
